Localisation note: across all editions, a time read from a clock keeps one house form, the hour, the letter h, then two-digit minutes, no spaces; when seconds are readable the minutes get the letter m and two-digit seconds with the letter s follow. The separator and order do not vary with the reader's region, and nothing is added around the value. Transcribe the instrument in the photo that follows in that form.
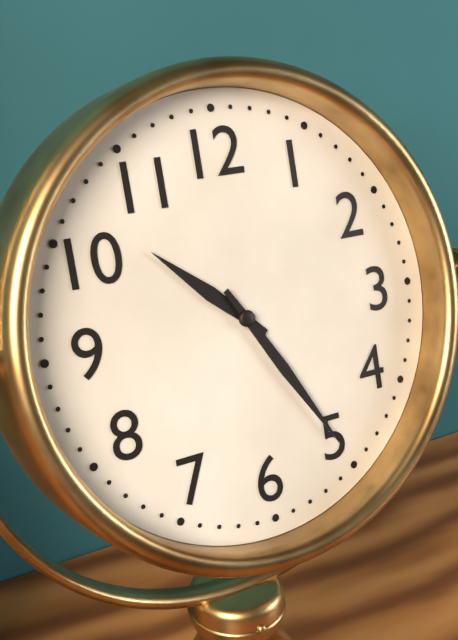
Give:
10h25
